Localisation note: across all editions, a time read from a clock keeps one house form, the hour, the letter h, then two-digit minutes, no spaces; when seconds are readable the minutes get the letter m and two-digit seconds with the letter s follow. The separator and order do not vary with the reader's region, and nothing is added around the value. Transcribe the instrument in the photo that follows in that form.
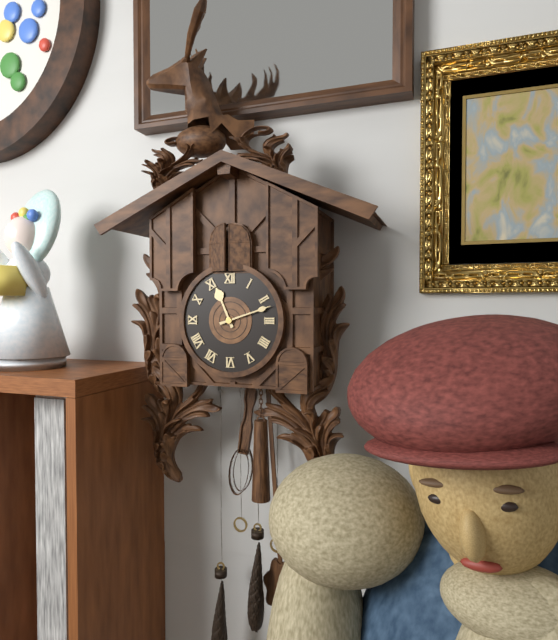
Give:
11h12
